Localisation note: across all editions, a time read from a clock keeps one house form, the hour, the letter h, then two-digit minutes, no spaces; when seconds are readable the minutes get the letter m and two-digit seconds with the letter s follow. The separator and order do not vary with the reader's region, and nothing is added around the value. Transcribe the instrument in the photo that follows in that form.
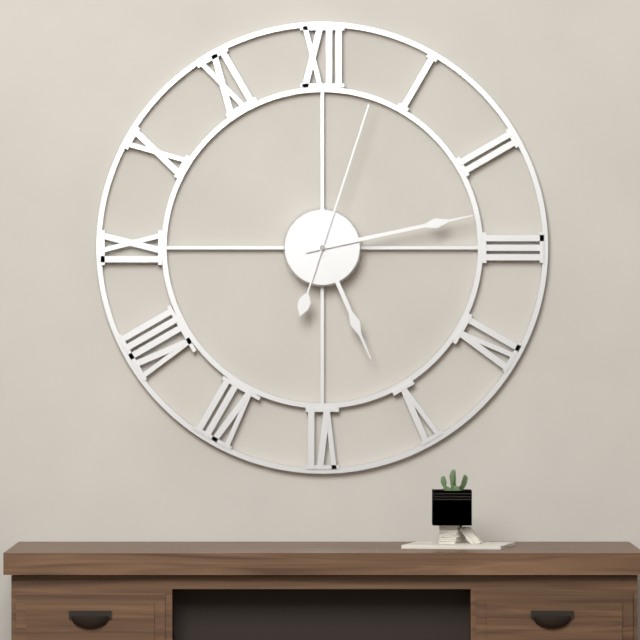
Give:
5h13m03s
